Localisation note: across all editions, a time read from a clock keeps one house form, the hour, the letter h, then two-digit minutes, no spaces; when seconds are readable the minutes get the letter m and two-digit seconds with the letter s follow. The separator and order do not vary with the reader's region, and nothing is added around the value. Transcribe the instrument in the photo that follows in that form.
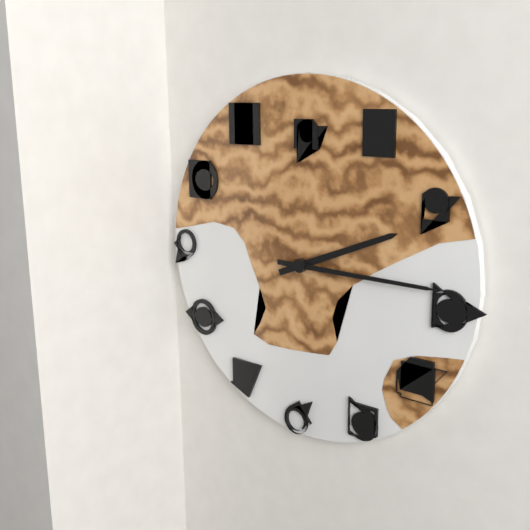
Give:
2h15
